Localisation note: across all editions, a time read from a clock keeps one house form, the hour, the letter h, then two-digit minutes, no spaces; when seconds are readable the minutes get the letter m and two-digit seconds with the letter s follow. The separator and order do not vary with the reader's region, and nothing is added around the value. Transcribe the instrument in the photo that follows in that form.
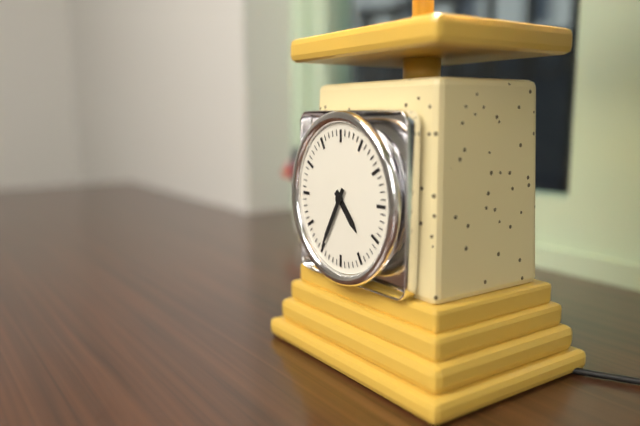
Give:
4h35
